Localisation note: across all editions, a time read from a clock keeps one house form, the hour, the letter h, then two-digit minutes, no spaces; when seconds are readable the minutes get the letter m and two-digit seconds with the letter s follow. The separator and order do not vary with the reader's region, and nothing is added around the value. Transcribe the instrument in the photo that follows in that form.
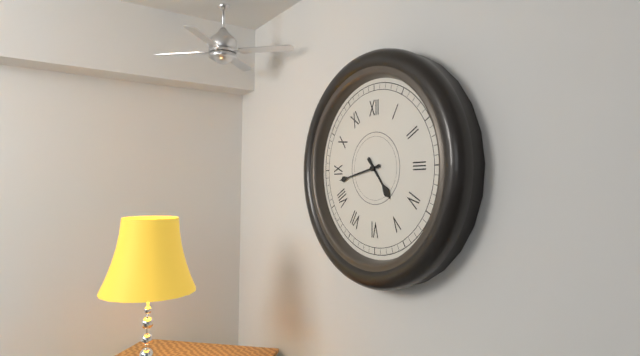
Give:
4h43
